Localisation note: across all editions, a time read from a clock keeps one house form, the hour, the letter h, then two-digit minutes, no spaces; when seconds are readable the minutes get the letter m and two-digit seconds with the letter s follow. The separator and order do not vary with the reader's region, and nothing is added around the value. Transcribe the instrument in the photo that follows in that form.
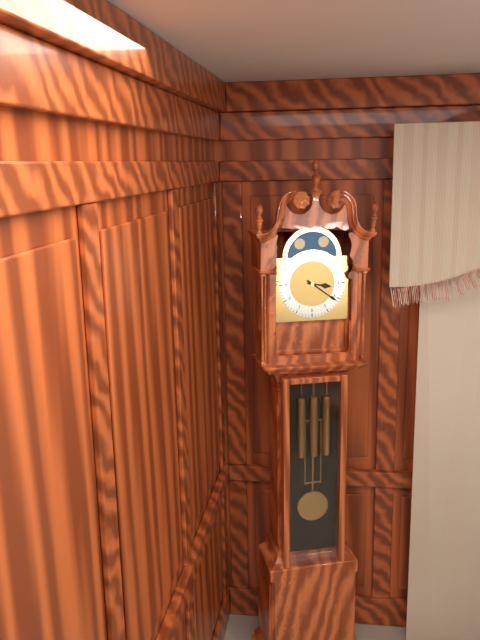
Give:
3h21
